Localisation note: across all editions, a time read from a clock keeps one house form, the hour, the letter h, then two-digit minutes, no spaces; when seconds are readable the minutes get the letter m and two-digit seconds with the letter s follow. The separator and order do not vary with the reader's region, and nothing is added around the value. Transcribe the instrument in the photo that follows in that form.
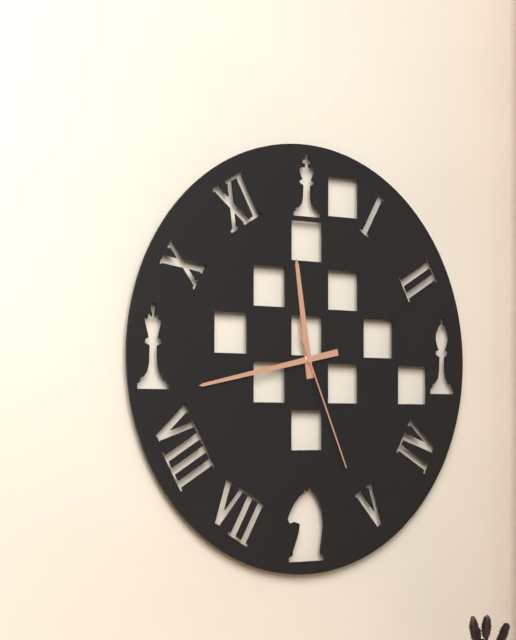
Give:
11h43m26s
